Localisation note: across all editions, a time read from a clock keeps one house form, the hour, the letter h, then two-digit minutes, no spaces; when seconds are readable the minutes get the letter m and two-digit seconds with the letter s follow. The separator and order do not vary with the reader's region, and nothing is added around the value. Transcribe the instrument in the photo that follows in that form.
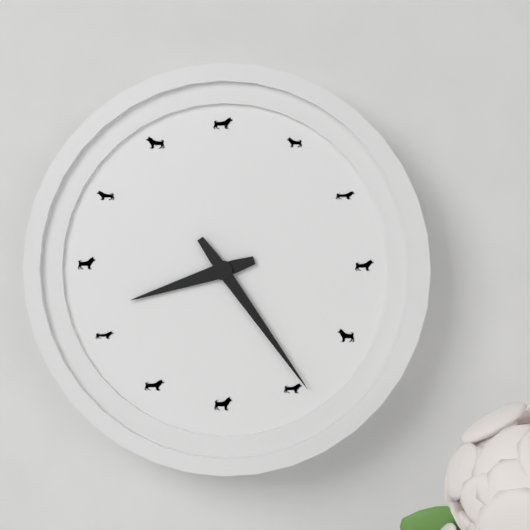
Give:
8h24
